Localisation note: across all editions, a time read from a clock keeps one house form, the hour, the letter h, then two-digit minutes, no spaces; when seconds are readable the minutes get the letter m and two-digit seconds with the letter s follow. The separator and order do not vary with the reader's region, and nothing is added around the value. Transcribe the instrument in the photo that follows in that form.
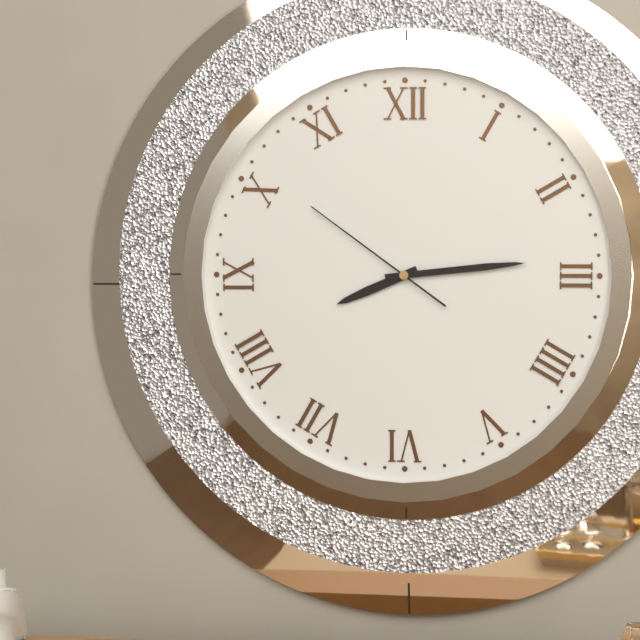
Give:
8h14m51s
